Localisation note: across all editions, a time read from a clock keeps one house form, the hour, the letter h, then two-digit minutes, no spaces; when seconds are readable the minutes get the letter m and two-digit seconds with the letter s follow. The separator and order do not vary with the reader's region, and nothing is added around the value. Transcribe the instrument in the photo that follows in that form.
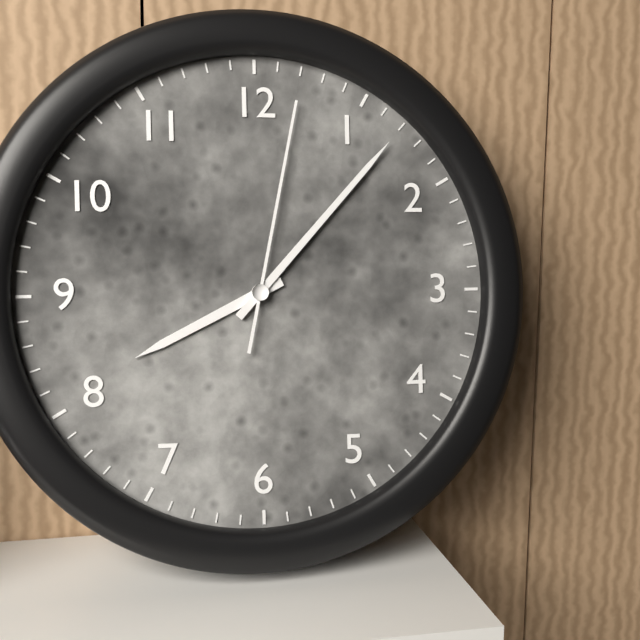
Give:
8h07m02s
